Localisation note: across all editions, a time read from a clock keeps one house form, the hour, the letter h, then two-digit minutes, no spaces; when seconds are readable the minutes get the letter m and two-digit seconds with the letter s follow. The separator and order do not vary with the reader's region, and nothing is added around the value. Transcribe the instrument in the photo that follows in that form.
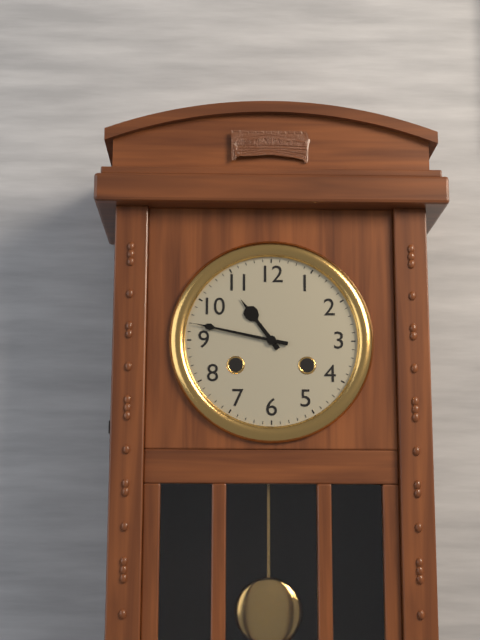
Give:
10h47
